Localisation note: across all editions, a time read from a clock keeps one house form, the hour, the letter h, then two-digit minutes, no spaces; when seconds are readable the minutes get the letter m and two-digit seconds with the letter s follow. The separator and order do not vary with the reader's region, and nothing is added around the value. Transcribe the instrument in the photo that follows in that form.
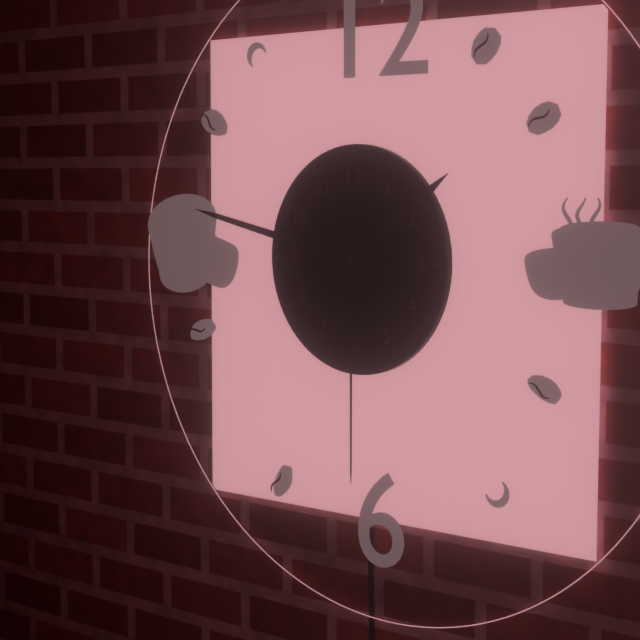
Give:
1h47m30s
